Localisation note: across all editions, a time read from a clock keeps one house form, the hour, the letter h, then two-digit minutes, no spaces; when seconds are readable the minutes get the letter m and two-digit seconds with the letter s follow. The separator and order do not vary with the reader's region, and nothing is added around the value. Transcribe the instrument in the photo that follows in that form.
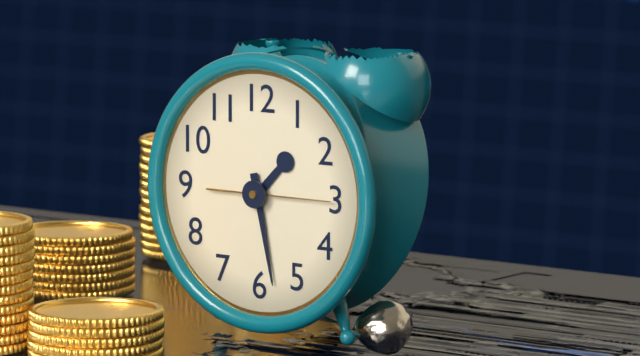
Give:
1h28m15s
